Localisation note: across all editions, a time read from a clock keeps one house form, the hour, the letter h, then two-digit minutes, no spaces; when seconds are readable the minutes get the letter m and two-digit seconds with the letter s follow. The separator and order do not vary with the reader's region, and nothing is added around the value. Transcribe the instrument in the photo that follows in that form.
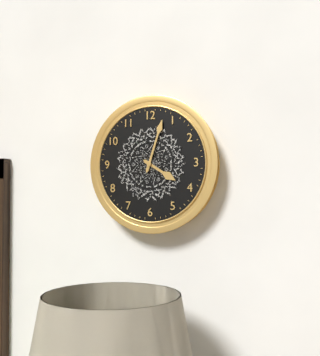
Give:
4h03
